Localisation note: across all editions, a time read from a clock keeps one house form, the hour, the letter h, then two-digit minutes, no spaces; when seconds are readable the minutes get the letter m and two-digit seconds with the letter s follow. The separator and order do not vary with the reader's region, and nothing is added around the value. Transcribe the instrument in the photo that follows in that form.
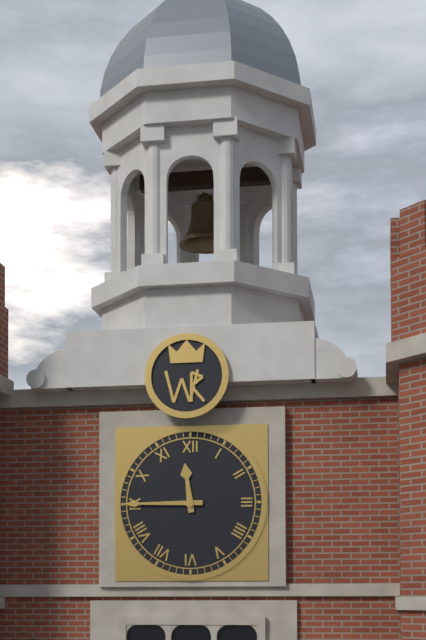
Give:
11h45
